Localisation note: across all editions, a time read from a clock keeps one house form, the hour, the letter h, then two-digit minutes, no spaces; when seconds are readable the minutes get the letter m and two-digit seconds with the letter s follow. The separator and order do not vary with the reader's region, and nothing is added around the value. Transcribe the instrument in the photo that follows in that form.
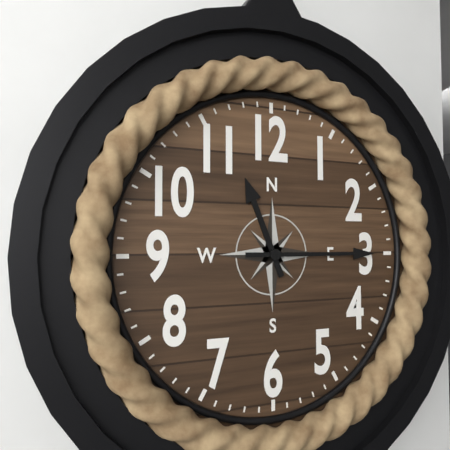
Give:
11h15
